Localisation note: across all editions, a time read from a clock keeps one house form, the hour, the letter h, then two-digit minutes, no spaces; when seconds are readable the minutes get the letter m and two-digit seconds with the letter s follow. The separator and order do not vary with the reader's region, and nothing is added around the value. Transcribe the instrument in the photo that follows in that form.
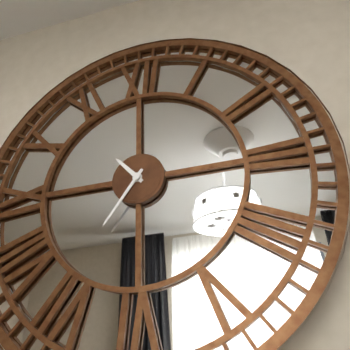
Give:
10h36
